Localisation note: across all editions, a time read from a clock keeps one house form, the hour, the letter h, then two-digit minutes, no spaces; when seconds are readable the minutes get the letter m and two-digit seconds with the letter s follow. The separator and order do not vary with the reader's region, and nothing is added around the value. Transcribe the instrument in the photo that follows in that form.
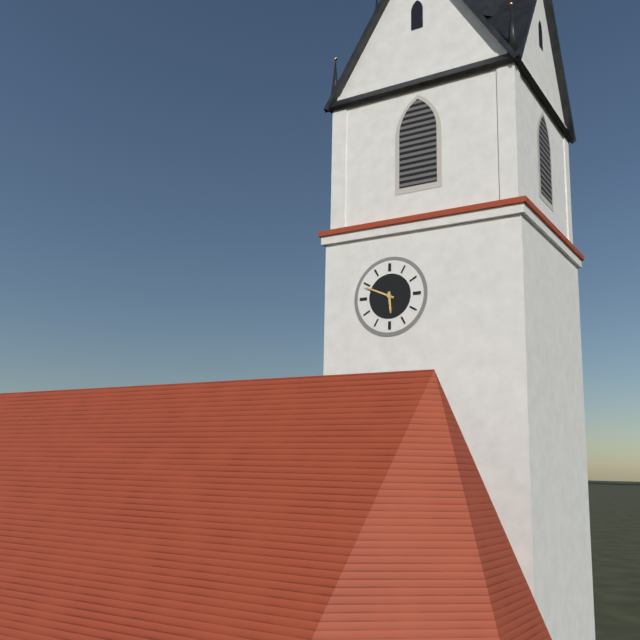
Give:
5h49
